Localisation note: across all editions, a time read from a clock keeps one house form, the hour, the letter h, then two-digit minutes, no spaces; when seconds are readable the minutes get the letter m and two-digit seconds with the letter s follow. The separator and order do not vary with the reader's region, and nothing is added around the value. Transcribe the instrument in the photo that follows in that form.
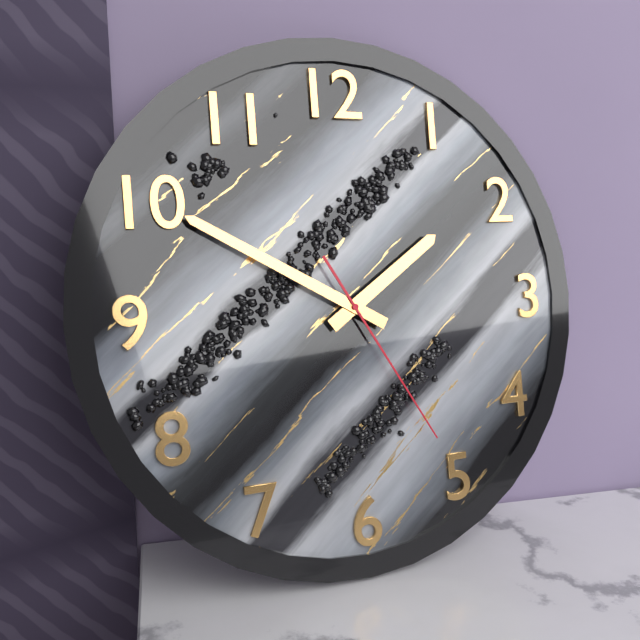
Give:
1h50m25s
